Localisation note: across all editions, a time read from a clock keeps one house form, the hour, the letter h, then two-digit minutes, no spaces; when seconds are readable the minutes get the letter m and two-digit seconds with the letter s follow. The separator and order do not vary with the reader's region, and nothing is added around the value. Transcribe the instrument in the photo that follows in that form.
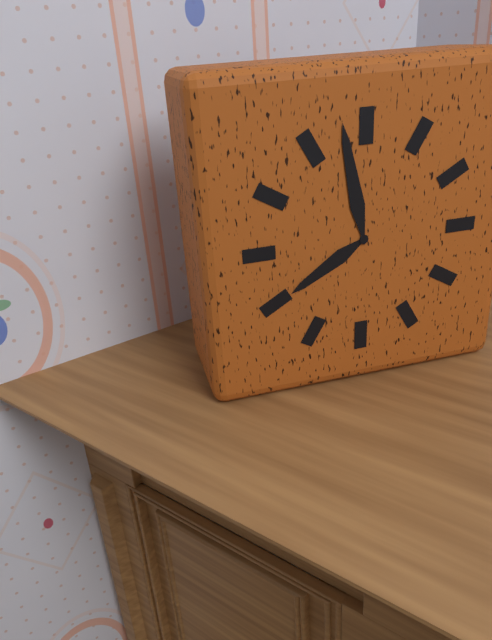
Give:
7h58
